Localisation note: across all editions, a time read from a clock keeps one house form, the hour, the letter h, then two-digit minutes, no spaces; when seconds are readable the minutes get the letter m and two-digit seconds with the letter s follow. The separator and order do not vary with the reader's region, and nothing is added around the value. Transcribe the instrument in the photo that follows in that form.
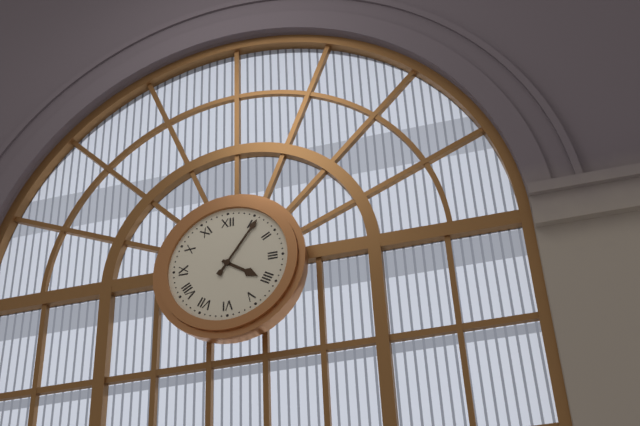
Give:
4h06
